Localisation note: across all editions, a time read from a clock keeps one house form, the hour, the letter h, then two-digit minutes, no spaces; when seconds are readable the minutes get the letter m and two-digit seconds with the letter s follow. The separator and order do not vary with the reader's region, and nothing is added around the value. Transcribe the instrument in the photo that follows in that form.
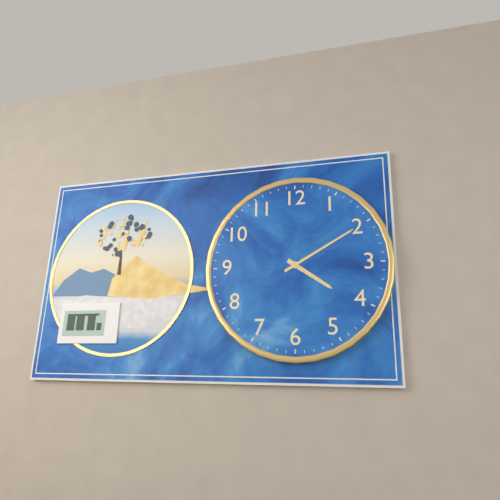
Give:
4h10
